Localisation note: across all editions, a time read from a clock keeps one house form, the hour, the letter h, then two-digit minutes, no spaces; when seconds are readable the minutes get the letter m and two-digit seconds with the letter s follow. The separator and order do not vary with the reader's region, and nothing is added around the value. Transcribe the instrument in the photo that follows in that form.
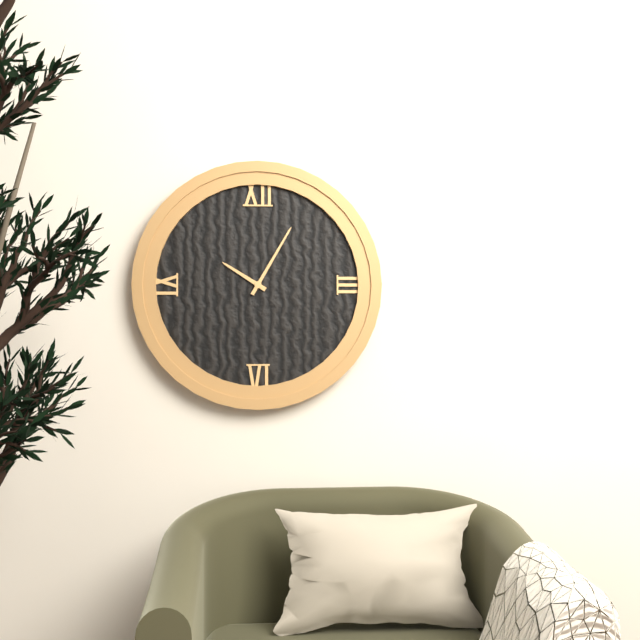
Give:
10h05
